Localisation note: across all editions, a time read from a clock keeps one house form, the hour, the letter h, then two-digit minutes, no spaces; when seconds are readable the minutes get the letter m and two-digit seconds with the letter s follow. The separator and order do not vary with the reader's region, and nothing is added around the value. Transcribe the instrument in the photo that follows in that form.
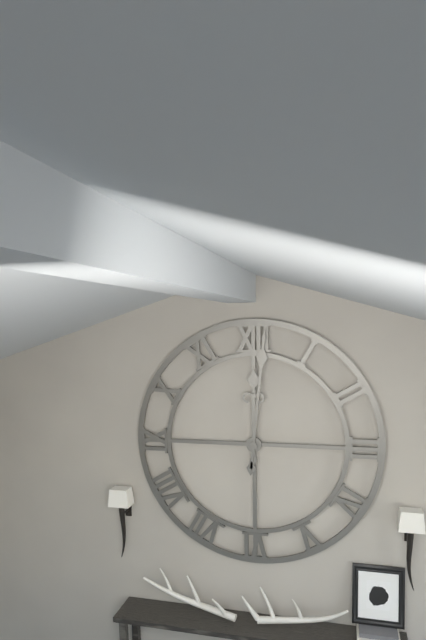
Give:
12h01
